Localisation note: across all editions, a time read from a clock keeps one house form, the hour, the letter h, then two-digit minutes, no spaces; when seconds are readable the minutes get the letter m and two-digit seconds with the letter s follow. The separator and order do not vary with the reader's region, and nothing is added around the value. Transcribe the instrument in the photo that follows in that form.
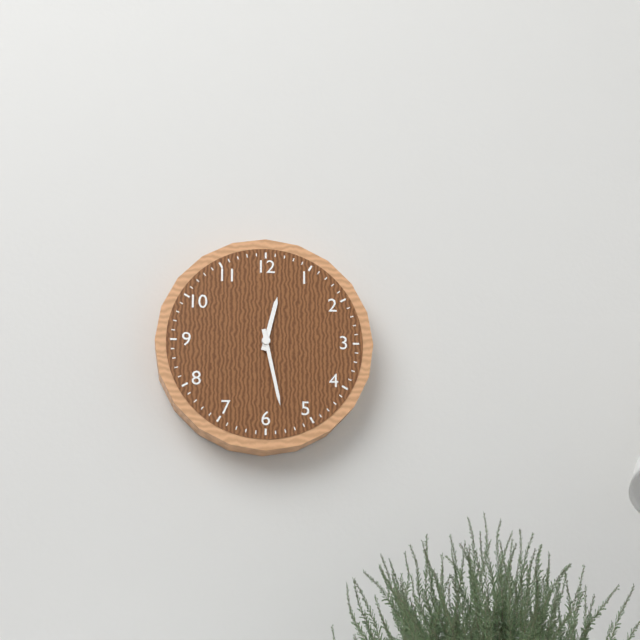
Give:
12h28
